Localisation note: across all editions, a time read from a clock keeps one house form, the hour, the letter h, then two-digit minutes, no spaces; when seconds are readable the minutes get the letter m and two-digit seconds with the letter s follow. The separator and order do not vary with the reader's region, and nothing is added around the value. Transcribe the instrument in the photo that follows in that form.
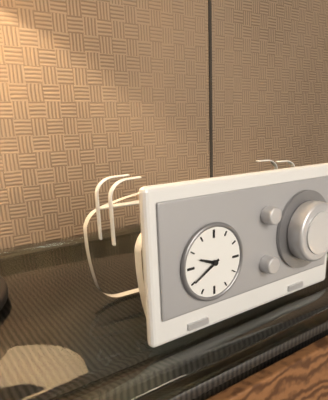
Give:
9h40
